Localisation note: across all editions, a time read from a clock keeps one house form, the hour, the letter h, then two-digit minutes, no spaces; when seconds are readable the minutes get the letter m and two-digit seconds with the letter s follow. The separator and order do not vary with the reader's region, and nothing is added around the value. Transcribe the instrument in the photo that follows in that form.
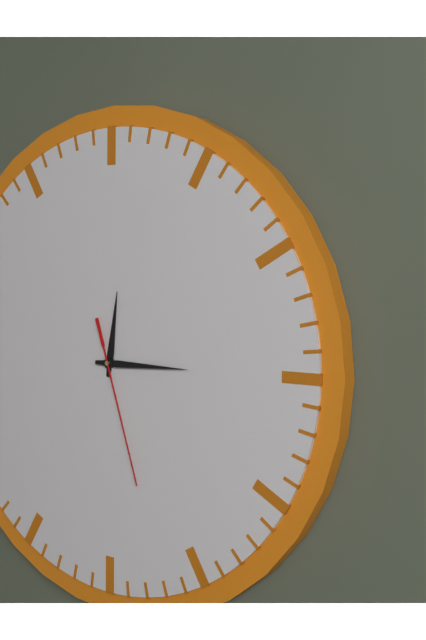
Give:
12h15m27s
